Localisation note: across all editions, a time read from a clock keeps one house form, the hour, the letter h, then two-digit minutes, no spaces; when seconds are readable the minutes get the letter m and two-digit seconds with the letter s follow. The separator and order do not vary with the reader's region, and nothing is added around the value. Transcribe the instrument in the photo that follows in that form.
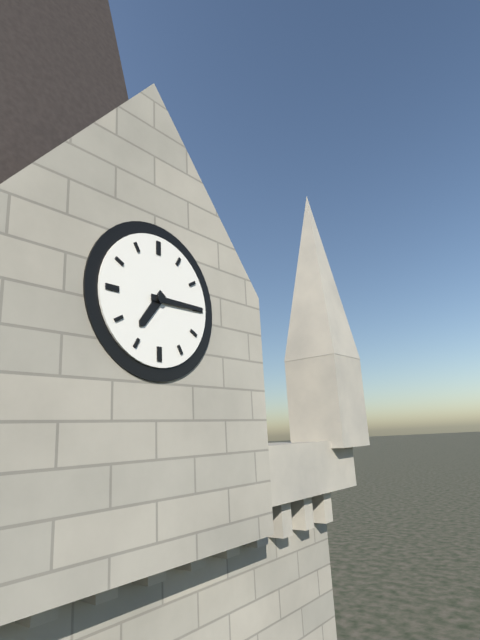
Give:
7h15
